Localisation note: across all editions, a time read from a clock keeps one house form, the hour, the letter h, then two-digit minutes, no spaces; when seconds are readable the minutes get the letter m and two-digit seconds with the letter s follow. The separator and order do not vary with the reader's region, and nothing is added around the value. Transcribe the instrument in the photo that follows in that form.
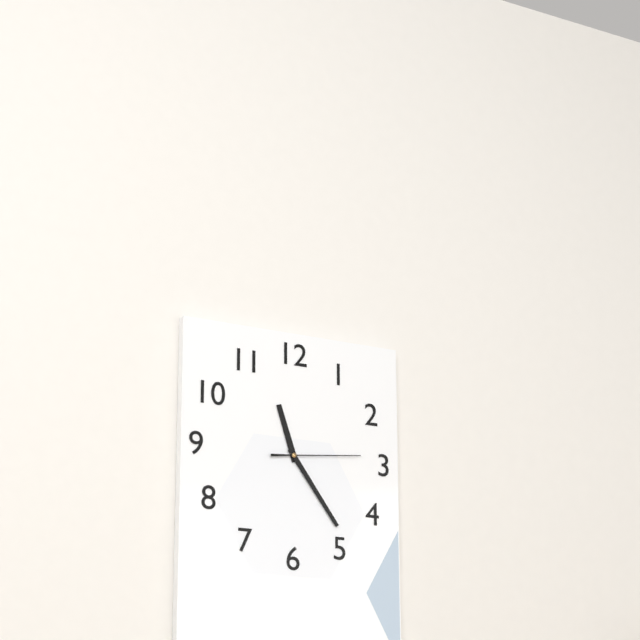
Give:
11h24m14s
